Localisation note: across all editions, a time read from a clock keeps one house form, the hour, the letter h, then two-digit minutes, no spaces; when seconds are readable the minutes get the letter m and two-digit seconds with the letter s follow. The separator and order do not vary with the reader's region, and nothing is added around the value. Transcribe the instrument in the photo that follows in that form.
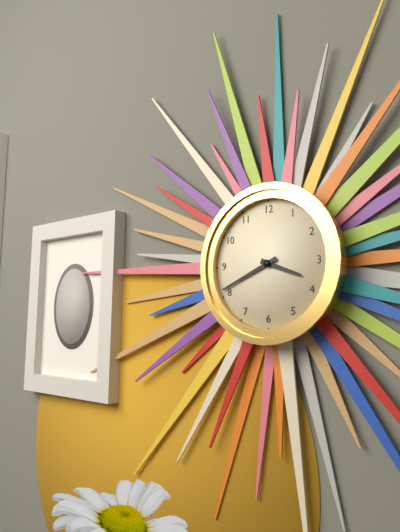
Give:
3h41
